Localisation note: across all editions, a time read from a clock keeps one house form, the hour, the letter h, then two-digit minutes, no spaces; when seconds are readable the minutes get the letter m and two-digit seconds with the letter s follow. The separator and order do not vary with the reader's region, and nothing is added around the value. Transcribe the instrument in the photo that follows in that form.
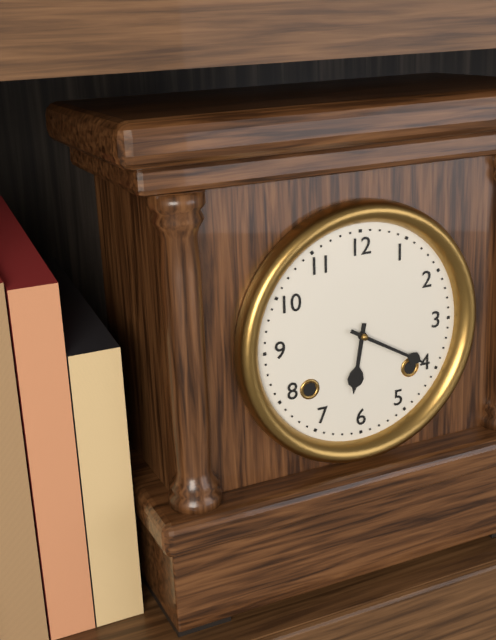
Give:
6h20
